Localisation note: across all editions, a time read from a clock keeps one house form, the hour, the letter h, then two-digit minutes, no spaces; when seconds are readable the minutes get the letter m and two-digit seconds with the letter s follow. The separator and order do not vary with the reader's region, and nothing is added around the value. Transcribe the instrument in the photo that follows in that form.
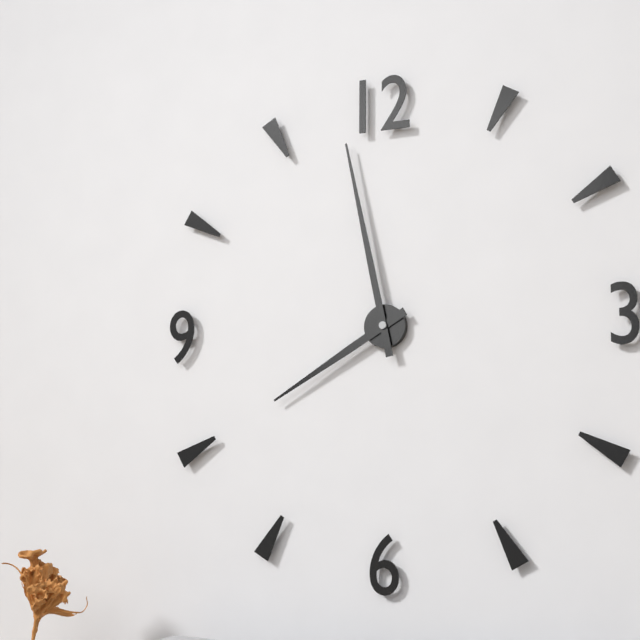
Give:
7h58
